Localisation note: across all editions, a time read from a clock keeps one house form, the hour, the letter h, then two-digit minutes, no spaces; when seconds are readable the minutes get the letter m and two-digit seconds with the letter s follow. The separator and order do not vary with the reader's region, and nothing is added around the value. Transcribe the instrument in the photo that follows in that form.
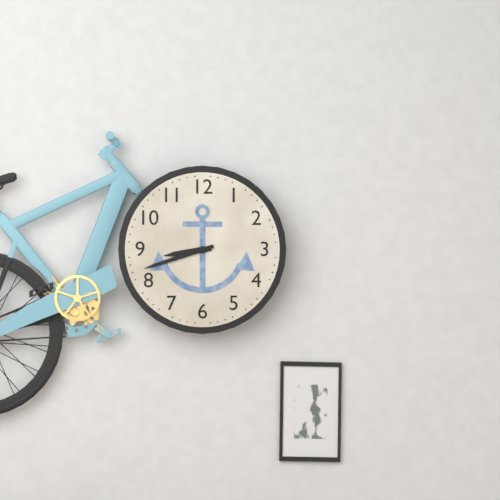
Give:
8h42
